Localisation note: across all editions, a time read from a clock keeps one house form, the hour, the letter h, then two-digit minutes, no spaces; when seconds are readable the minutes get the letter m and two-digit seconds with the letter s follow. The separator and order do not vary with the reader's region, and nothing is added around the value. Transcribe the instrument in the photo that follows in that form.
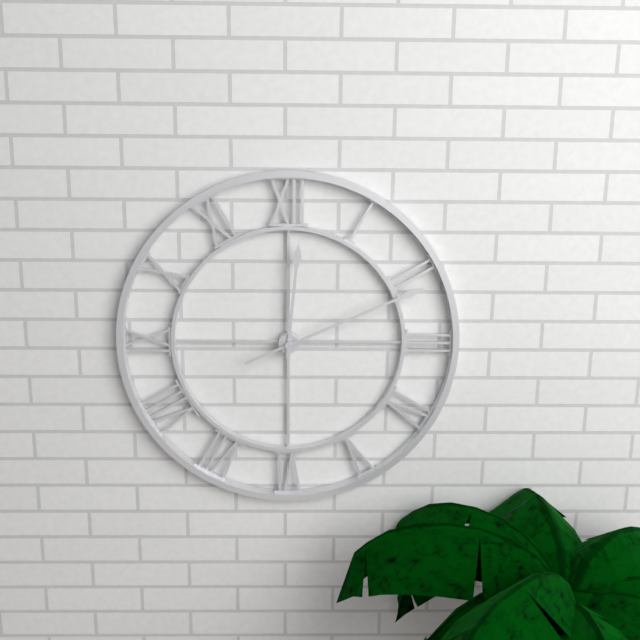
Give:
12h11
